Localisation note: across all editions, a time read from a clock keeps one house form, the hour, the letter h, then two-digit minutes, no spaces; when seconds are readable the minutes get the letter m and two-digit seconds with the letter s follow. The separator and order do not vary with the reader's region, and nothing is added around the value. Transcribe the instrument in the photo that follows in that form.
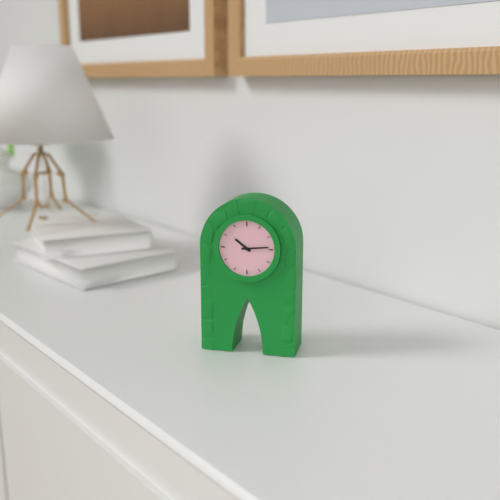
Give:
10h14
